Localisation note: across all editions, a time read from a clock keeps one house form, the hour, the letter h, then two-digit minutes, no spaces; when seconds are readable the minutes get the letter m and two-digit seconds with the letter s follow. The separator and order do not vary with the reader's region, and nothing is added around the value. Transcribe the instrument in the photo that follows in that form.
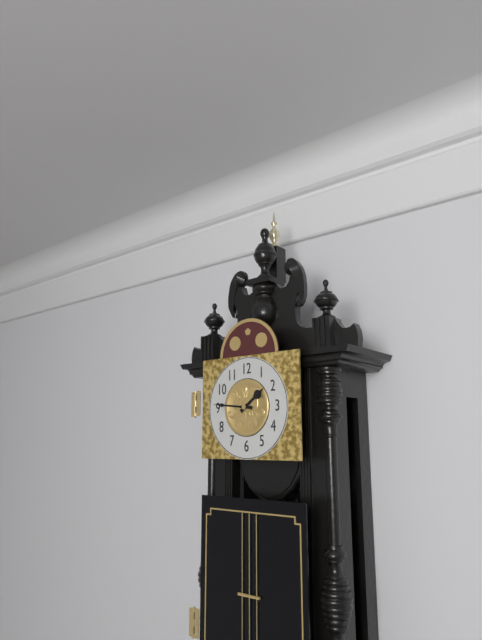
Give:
1h46
